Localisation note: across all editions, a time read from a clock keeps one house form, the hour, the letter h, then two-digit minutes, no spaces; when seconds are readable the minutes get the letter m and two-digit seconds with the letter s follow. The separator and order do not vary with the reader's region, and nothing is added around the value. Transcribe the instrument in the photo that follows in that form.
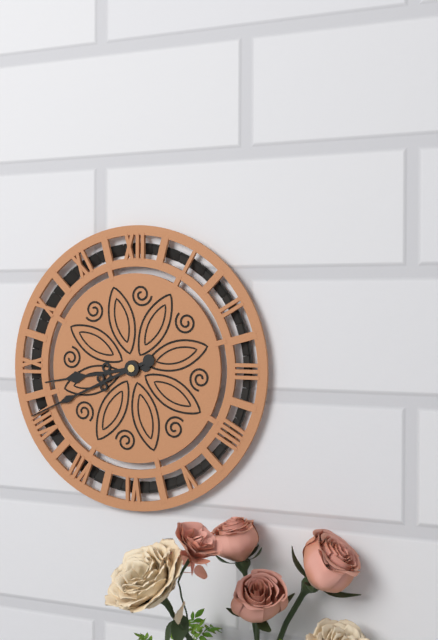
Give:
8h41
